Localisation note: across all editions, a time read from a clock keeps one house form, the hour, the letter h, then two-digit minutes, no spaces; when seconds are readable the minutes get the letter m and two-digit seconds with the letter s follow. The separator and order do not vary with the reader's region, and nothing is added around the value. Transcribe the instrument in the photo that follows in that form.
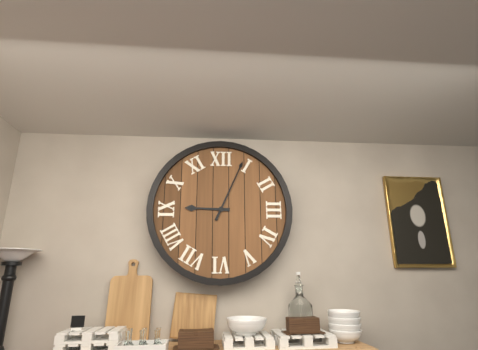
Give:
9h04
